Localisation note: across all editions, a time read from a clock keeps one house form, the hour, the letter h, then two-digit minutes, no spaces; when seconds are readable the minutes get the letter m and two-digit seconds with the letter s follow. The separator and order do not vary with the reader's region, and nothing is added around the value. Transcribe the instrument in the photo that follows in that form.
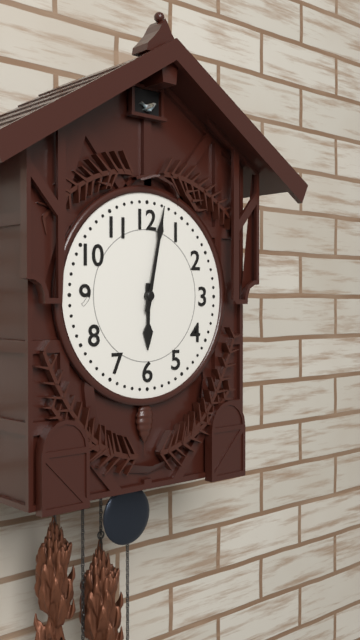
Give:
6h02
